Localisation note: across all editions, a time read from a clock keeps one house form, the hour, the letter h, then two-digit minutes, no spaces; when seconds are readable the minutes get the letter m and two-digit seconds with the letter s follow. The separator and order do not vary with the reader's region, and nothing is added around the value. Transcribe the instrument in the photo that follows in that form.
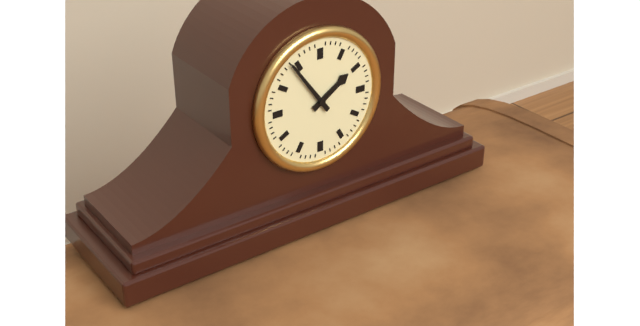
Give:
1h54
